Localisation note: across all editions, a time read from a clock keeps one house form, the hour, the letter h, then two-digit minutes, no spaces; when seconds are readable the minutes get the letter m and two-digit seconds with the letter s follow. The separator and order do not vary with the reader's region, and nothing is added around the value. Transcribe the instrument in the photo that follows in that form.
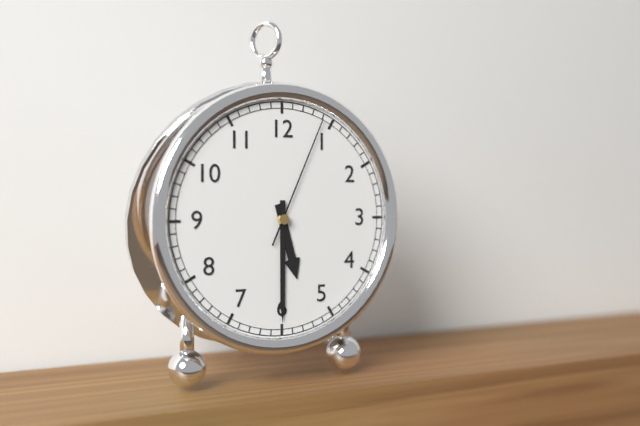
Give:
5h30m04s
